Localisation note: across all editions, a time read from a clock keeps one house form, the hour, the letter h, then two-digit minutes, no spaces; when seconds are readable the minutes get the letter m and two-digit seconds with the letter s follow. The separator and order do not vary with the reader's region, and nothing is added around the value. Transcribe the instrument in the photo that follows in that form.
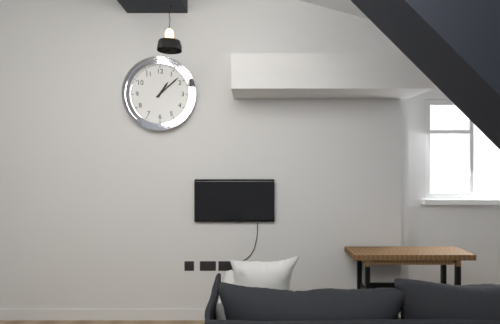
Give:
1h08
